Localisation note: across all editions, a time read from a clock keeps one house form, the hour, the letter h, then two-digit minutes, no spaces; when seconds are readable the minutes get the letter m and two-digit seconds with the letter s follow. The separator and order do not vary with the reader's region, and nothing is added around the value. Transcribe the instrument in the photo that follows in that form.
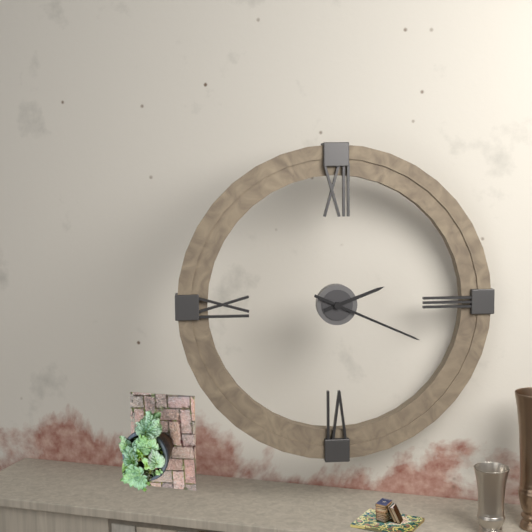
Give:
2h19
